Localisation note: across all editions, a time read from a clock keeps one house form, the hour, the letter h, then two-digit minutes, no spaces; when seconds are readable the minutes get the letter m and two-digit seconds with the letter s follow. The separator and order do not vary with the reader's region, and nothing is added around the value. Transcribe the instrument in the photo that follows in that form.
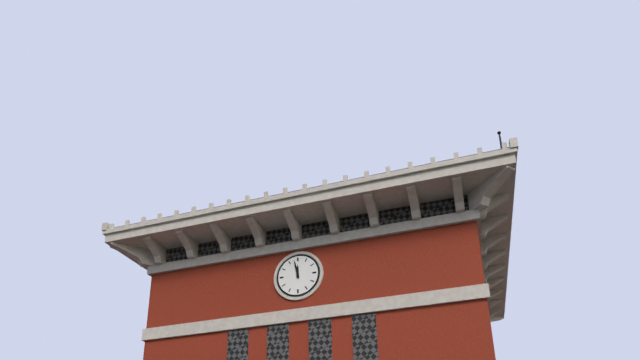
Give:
11h58
